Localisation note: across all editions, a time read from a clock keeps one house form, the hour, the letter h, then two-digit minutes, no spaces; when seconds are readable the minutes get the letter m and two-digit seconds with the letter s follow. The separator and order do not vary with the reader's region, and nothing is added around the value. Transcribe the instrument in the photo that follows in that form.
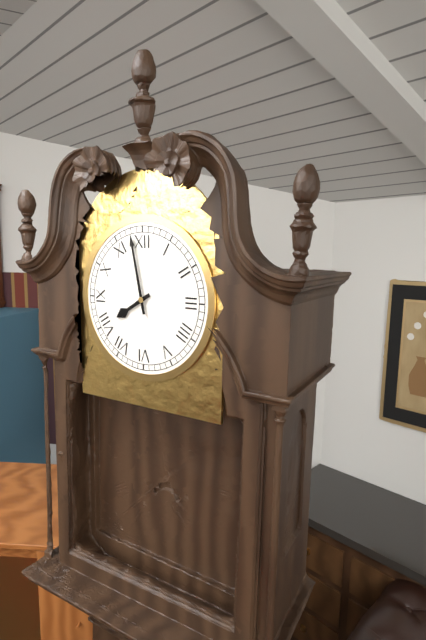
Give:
7h58
